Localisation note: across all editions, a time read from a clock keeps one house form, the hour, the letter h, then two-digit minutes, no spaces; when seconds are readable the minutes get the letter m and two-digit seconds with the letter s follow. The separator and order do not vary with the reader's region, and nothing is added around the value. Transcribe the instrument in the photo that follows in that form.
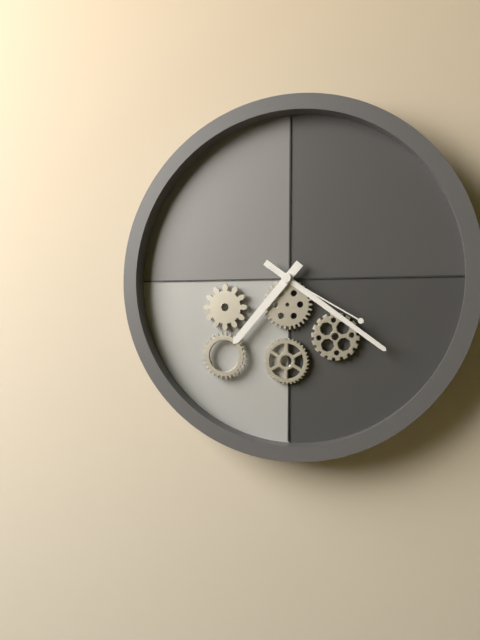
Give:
7h21m20s
